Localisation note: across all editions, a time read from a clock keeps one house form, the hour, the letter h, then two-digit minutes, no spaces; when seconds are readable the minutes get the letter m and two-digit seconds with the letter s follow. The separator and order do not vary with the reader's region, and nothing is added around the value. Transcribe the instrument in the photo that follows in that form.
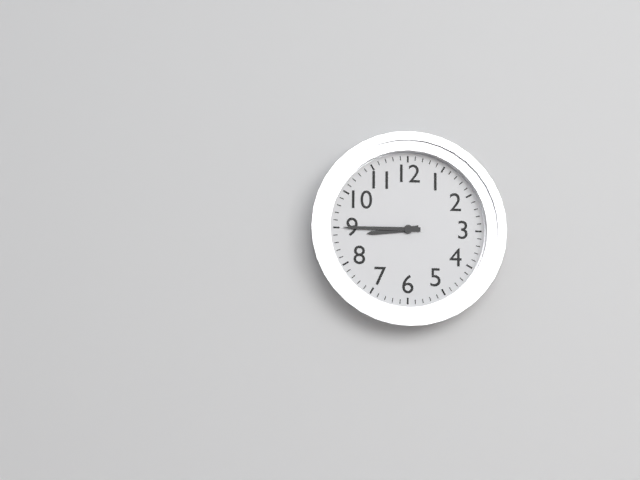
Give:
8h45
